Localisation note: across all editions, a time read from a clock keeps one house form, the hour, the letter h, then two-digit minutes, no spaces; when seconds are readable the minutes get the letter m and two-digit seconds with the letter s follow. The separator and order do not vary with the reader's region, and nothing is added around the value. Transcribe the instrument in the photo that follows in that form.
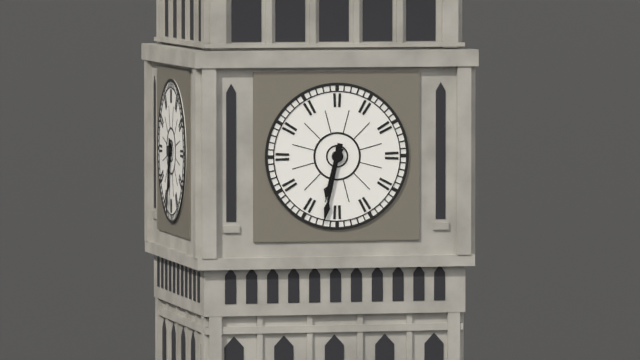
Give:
6h32
